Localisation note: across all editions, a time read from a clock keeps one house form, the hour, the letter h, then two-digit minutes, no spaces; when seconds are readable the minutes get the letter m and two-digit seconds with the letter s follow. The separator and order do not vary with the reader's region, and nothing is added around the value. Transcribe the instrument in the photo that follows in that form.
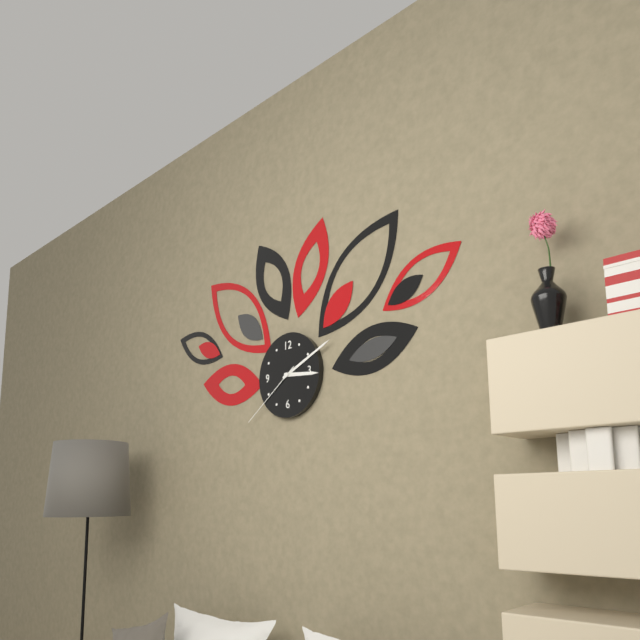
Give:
3h11m39s
